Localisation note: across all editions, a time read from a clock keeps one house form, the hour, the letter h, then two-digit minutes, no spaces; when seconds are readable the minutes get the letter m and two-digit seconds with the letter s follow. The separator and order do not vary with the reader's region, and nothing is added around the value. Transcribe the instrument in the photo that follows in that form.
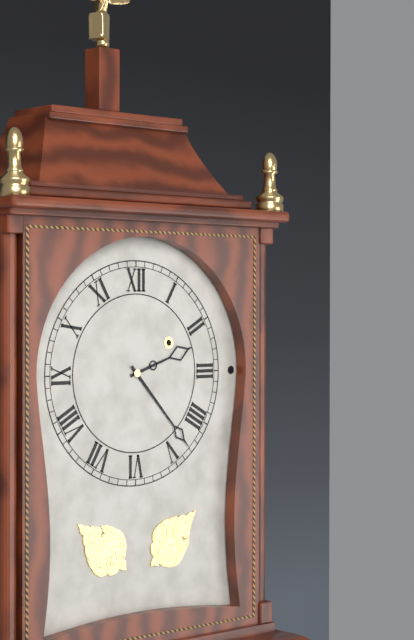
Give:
2h23
